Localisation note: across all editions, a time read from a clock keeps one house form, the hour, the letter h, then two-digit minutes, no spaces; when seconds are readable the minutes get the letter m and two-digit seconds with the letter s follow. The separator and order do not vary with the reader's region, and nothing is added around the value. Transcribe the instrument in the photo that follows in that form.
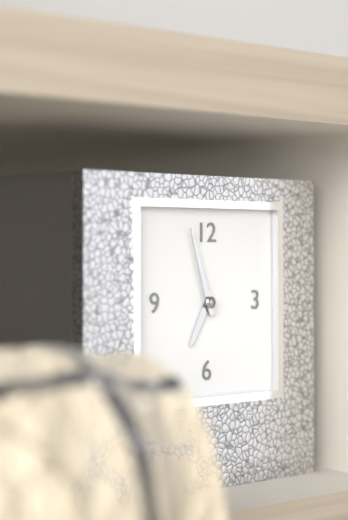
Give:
6h57
